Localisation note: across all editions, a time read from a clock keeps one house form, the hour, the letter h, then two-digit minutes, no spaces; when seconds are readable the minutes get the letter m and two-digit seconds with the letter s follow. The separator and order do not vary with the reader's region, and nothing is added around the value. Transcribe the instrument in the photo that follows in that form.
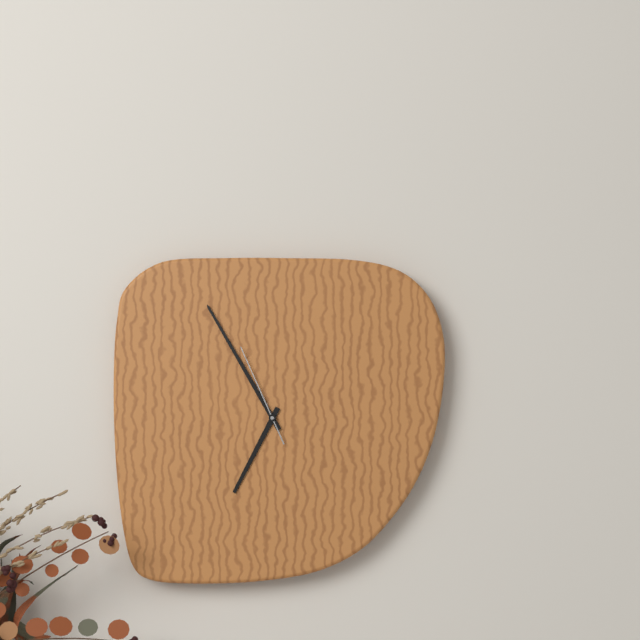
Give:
6h55m56s
